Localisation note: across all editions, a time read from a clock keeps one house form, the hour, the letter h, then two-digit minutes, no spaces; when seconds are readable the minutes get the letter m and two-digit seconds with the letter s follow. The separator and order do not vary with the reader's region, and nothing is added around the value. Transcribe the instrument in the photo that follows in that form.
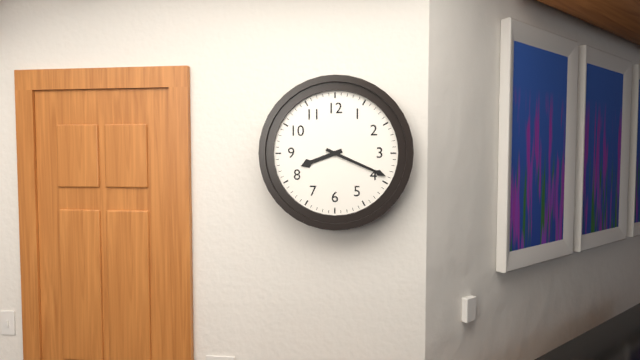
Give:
8h19
